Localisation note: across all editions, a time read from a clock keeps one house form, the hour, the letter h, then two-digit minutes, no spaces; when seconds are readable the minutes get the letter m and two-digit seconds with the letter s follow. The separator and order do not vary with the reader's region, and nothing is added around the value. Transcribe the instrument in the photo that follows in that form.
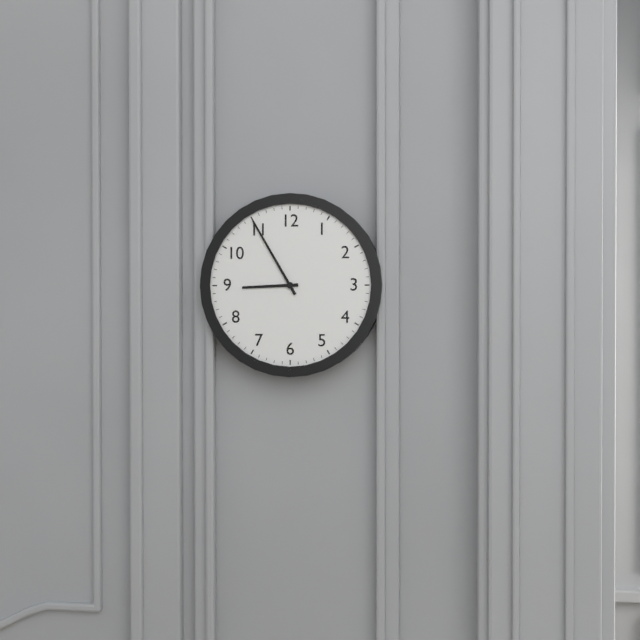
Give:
8h55
